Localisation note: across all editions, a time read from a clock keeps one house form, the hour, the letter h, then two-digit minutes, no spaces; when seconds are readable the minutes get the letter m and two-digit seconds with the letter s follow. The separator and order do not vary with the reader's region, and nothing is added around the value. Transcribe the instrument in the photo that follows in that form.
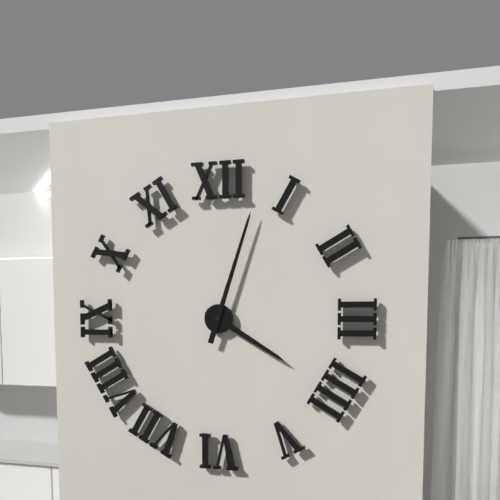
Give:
4h03
